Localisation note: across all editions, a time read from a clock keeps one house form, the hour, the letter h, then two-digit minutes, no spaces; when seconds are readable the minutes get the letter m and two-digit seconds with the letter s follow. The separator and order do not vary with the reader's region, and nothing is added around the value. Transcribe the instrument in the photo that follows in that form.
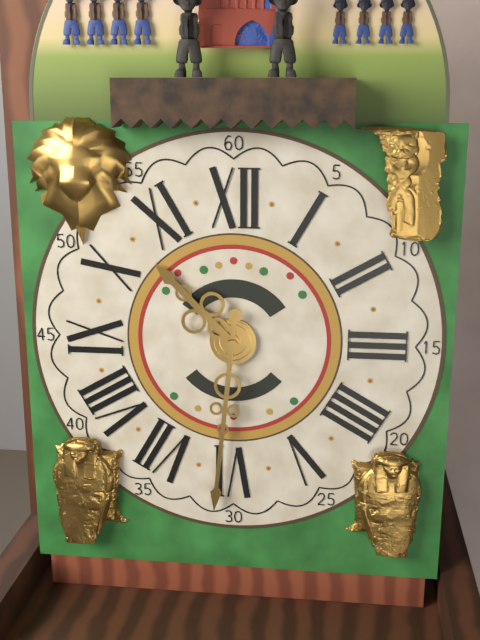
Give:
10h31
